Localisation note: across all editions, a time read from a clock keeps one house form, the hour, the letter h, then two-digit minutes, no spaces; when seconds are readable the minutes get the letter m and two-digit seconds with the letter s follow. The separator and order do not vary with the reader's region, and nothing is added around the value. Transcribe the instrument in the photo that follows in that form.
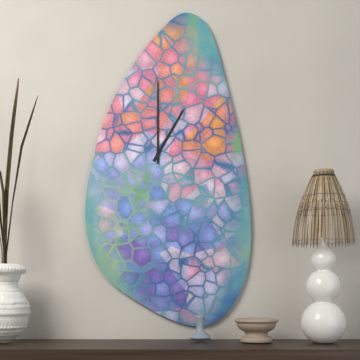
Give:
1h00
